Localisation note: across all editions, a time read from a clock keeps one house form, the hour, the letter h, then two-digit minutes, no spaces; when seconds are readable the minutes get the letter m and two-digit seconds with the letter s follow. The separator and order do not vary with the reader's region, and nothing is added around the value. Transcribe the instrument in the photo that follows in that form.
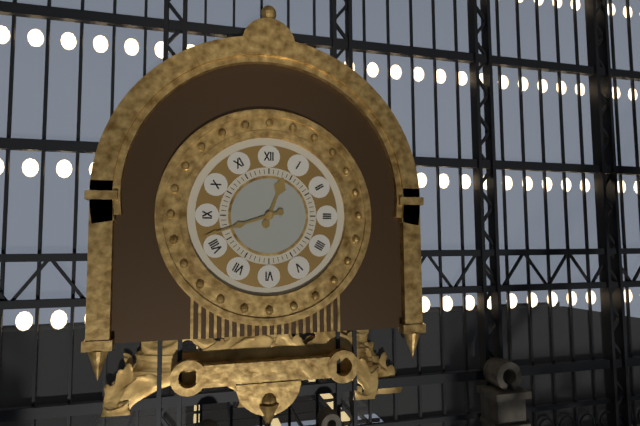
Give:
12h42
